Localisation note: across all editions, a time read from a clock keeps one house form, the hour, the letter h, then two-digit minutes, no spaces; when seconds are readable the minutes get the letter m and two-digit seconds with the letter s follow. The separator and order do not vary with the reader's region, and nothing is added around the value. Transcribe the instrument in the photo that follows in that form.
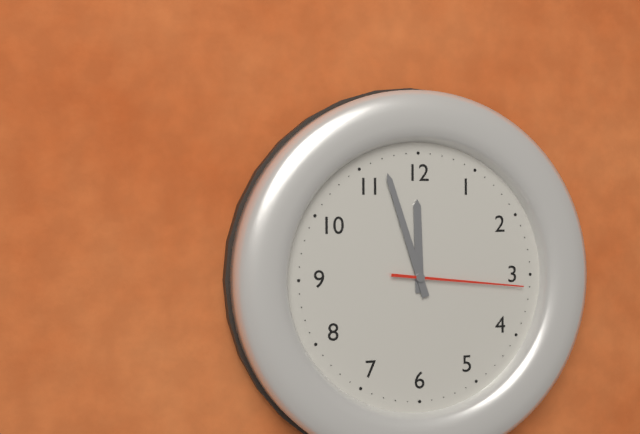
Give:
11h57m16s
